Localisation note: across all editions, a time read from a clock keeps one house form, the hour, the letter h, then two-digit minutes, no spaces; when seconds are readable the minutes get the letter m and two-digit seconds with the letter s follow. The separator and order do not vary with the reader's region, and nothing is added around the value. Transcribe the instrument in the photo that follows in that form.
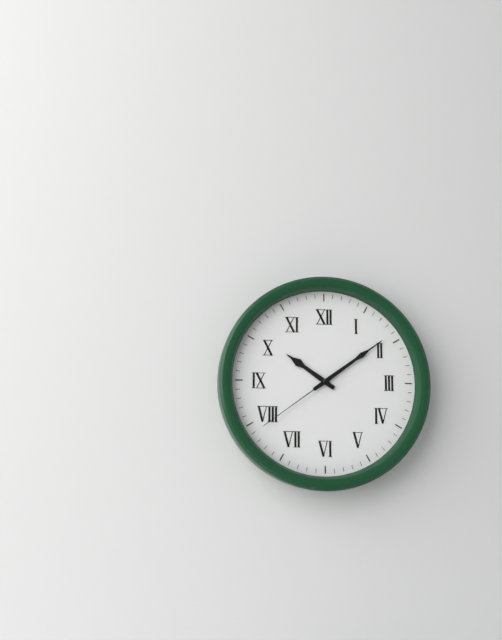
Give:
10h09m39s
